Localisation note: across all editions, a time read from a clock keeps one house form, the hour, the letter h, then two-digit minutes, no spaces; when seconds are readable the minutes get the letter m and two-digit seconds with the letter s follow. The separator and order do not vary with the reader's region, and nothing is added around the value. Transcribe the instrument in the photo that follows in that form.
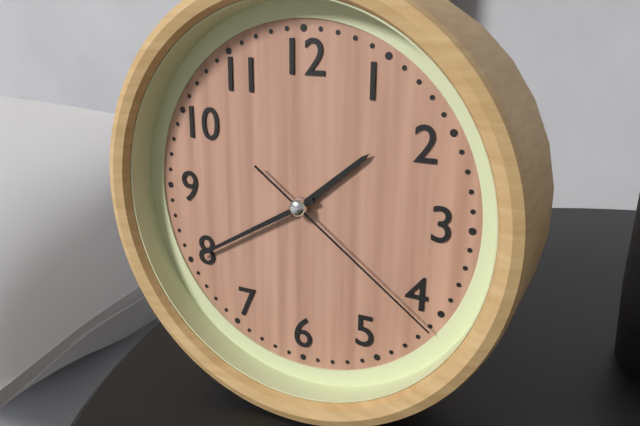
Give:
1h40m21s
